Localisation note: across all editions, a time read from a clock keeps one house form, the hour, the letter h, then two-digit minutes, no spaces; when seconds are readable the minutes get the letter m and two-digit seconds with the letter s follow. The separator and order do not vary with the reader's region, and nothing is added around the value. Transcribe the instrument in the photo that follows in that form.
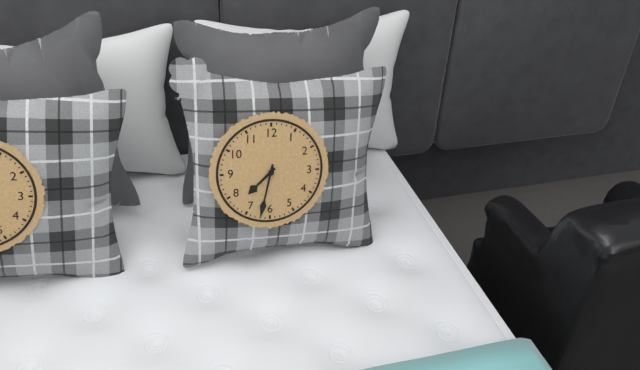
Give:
7h32
